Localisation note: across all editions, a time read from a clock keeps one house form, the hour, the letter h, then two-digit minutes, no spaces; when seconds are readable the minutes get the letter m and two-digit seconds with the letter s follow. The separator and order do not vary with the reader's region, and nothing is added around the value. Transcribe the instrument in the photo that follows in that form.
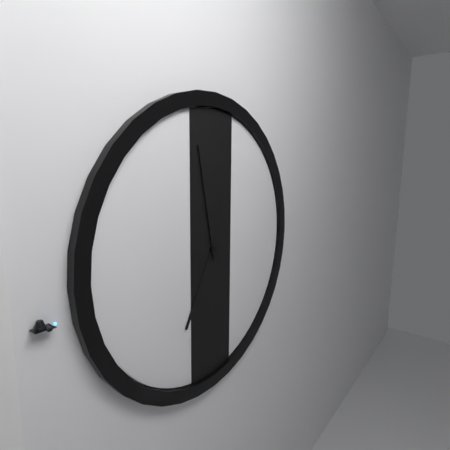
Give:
6h58
